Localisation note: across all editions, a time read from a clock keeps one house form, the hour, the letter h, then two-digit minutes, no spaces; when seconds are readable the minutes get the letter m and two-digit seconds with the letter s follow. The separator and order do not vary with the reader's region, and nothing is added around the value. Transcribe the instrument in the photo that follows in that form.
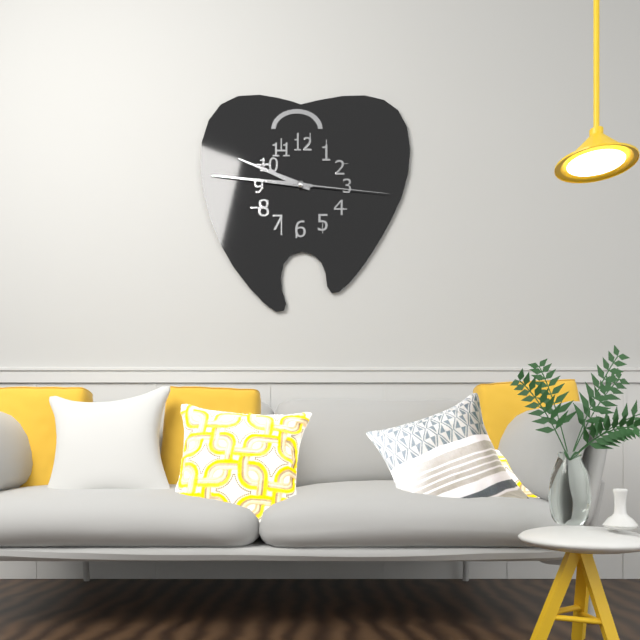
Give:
9h46m16s
